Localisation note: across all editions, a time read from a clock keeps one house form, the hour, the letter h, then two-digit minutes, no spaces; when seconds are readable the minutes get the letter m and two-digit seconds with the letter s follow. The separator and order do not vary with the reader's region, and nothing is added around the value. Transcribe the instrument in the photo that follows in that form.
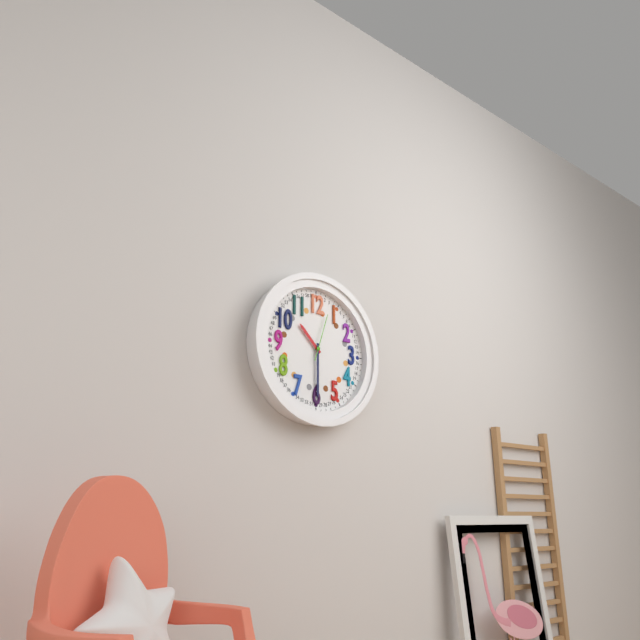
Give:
10h30
